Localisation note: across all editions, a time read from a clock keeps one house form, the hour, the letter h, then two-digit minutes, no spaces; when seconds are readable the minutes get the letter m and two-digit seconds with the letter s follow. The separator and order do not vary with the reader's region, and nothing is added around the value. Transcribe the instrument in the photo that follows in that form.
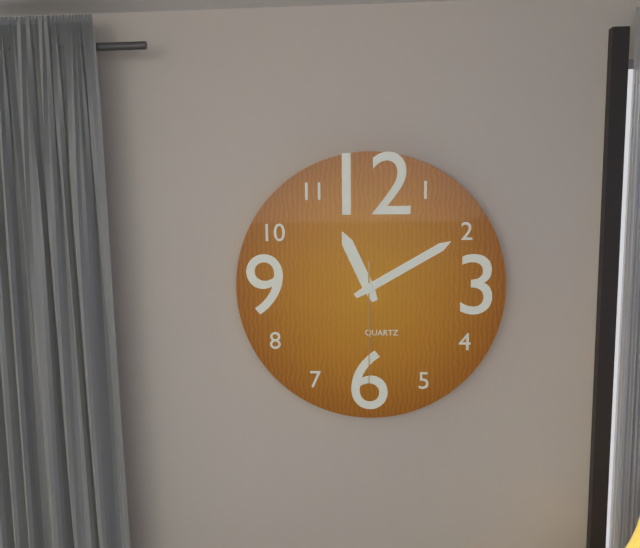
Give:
11h10m30s
